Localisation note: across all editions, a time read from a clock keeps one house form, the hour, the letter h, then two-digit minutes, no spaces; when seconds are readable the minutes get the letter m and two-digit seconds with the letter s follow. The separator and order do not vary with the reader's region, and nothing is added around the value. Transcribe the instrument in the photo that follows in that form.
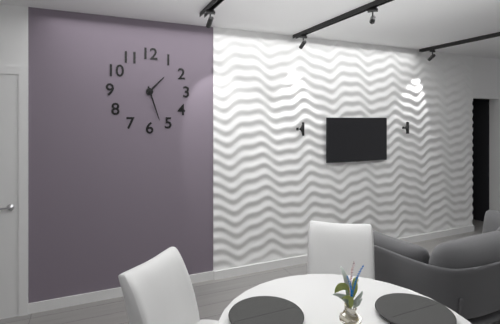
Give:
1h27
